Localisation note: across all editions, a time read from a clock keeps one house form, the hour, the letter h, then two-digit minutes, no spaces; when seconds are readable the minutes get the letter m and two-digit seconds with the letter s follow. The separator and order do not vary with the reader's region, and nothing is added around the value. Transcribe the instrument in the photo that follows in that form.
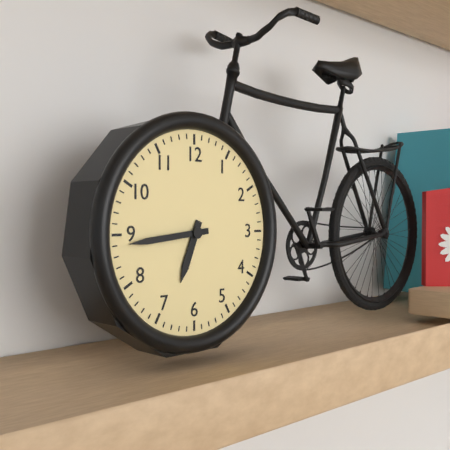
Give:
6h44
